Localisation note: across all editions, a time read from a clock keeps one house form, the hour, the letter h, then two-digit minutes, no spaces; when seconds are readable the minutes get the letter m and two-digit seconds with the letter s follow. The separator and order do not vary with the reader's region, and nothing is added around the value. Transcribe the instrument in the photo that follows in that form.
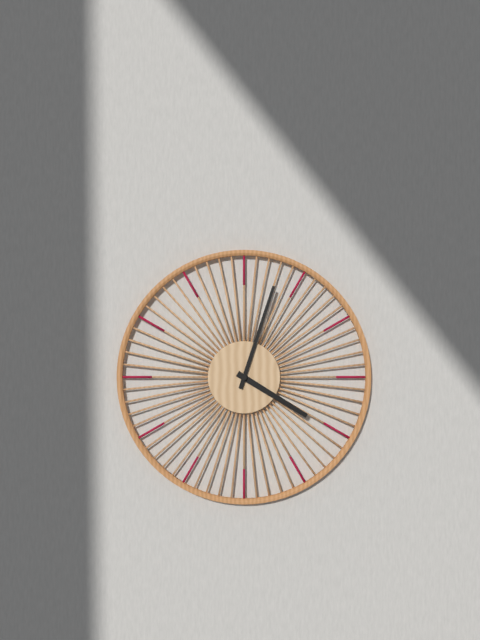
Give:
4h03
